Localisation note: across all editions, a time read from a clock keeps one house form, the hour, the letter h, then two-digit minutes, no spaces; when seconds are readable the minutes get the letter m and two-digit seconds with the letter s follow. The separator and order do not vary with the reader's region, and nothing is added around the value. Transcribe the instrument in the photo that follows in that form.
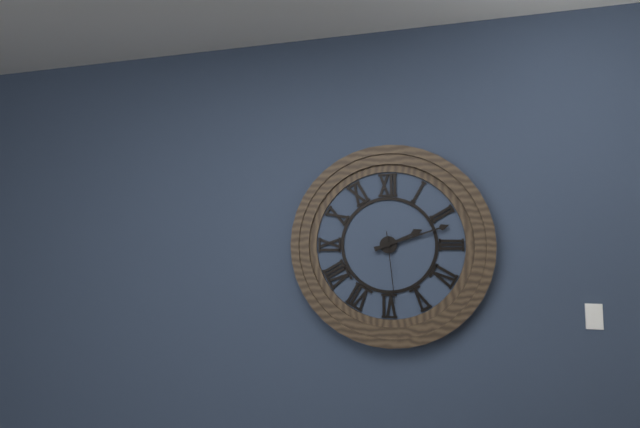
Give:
2h12m29s
